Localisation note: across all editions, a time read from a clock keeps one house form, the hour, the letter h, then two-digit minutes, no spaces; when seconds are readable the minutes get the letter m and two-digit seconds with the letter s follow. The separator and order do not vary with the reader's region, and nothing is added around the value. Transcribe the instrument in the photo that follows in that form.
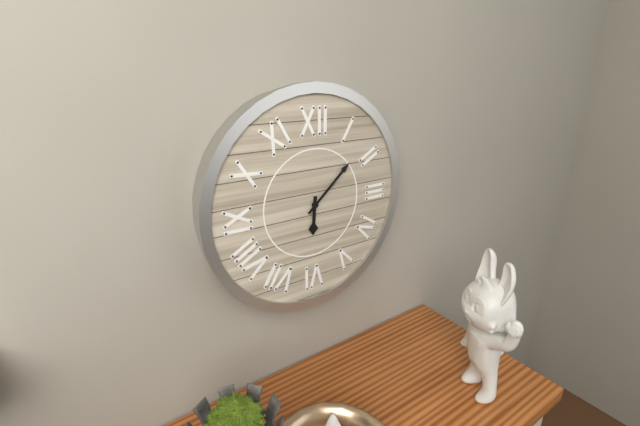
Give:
6h08
